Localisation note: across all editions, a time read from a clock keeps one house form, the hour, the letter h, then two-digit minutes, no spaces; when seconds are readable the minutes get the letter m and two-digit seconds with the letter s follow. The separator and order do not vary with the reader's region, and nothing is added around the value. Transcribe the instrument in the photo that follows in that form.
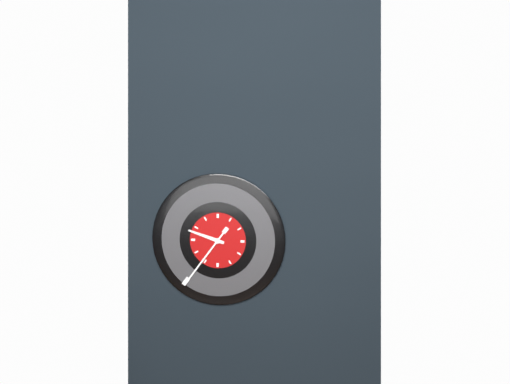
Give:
9h36
